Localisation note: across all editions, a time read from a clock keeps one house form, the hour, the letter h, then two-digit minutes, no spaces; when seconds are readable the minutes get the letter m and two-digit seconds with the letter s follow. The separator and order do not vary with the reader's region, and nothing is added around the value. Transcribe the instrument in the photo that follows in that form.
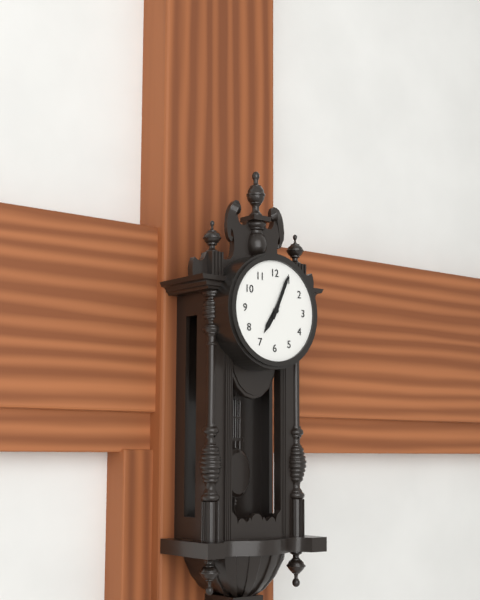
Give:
7h04
